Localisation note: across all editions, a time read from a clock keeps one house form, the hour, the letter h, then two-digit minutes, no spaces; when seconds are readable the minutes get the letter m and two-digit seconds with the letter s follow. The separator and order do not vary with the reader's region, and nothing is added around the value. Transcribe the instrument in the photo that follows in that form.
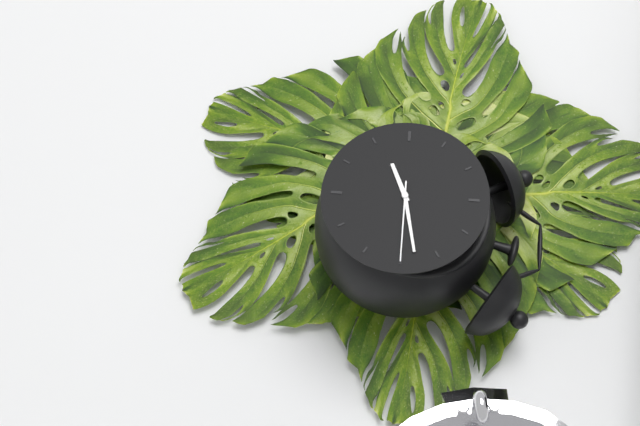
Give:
8h13m15s
